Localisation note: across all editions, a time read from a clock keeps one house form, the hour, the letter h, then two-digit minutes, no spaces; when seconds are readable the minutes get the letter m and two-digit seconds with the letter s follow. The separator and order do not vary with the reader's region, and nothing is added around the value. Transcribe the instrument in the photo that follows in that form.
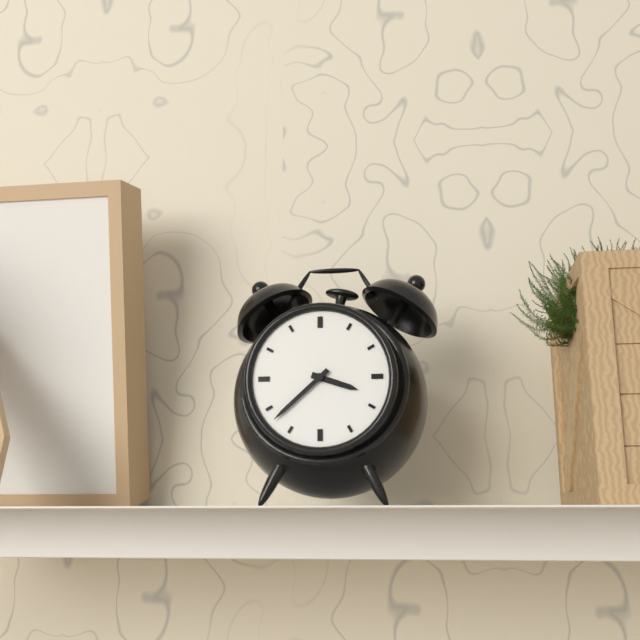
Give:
3h38
